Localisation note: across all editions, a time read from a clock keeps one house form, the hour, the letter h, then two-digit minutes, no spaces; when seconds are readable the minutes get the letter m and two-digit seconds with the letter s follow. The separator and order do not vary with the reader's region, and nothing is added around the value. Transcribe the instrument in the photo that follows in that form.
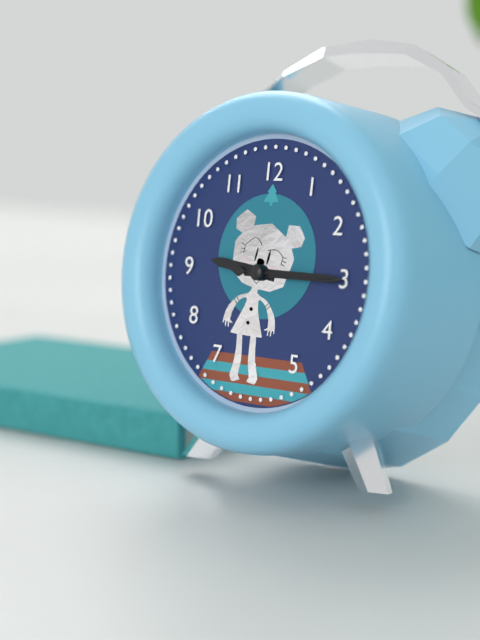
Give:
9h15m15s
